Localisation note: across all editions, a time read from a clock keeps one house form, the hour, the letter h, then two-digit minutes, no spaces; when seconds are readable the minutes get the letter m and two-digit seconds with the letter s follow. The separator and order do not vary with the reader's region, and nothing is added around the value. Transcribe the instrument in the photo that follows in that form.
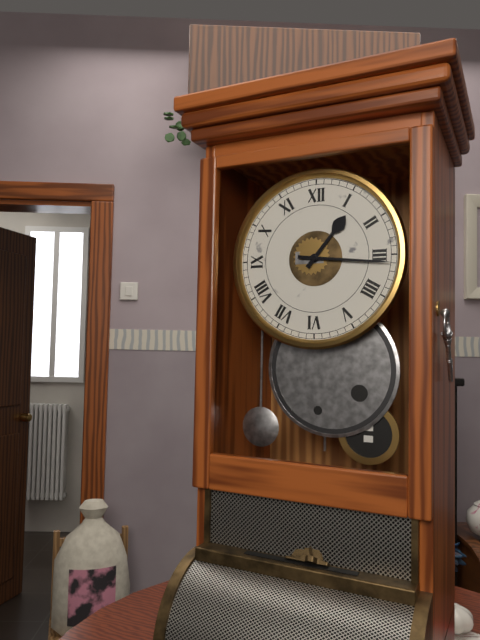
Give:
1h16
